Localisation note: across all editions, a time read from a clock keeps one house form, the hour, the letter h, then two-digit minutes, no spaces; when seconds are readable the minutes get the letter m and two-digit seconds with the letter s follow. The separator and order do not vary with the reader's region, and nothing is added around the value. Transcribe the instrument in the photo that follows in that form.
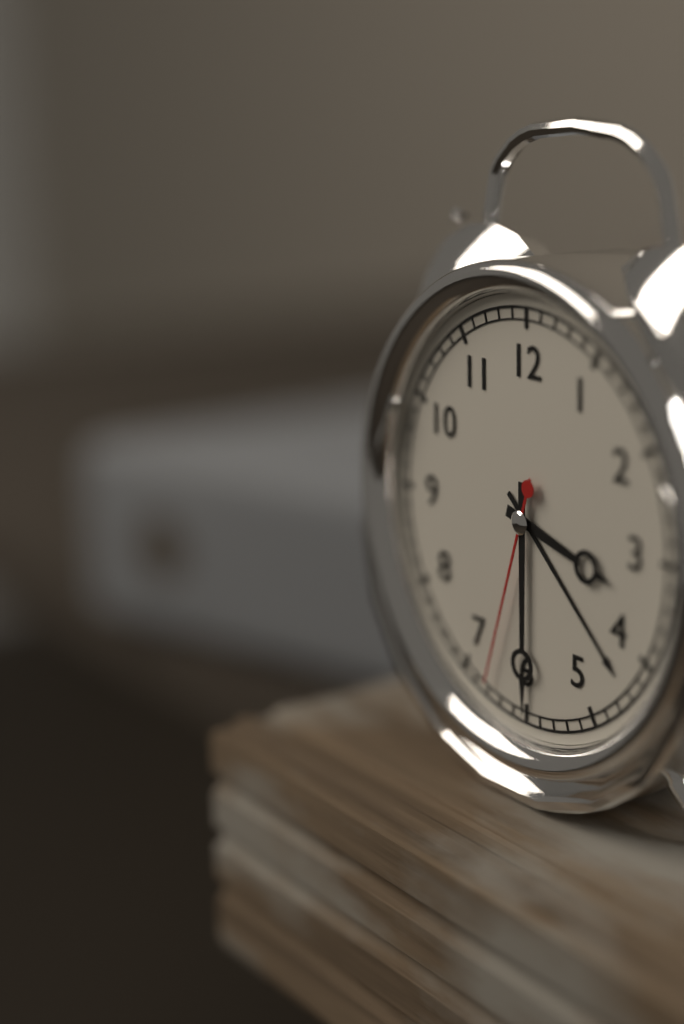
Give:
3h30m33s
